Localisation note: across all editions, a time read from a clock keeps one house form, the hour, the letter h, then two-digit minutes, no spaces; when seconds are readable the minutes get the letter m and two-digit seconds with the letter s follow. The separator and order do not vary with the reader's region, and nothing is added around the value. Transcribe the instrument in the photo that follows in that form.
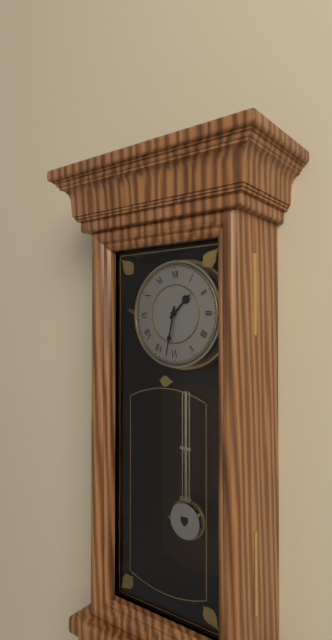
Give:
1h32
